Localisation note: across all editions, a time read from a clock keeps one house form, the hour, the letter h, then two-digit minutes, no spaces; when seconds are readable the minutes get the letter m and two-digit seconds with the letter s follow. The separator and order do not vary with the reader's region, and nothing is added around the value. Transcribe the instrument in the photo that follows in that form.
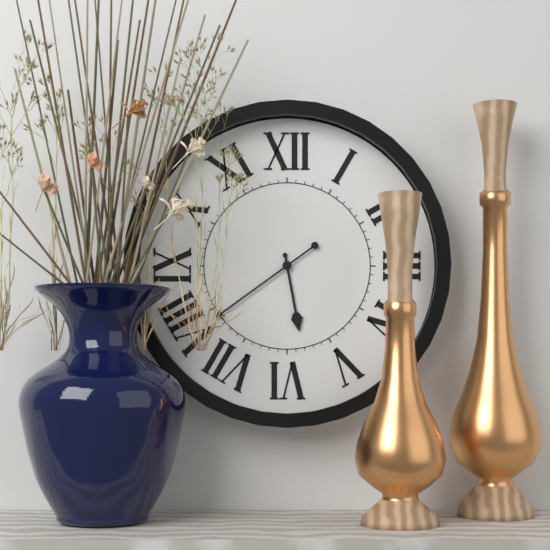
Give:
5h39
